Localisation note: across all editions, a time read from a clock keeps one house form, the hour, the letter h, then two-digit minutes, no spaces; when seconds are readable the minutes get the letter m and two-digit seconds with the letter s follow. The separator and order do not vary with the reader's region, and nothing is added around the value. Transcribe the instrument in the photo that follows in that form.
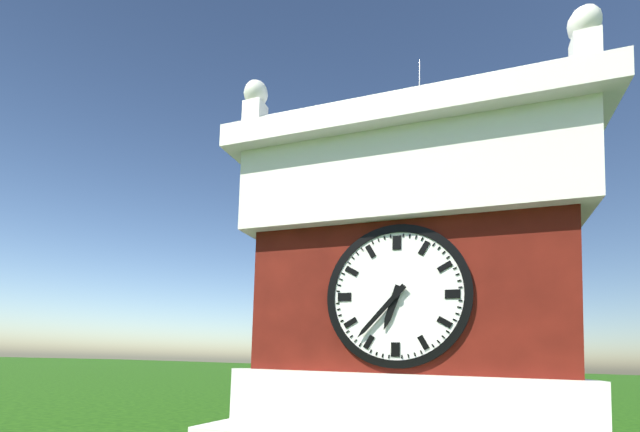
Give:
6h37
